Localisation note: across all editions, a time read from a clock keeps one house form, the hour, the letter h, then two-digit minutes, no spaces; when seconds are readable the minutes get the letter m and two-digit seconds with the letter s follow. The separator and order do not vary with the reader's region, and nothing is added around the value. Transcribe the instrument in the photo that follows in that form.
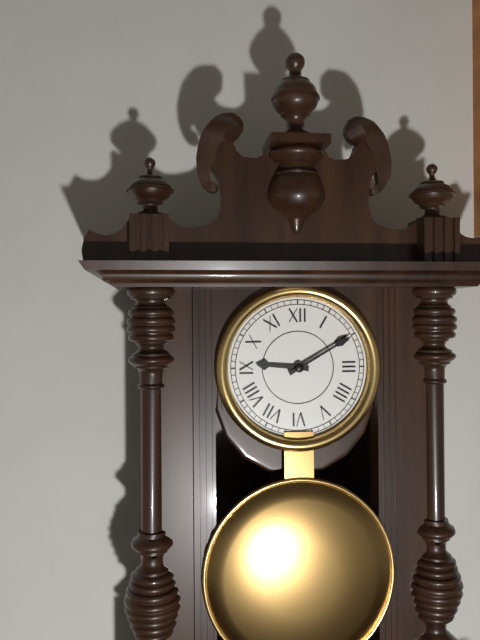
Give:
9h10
